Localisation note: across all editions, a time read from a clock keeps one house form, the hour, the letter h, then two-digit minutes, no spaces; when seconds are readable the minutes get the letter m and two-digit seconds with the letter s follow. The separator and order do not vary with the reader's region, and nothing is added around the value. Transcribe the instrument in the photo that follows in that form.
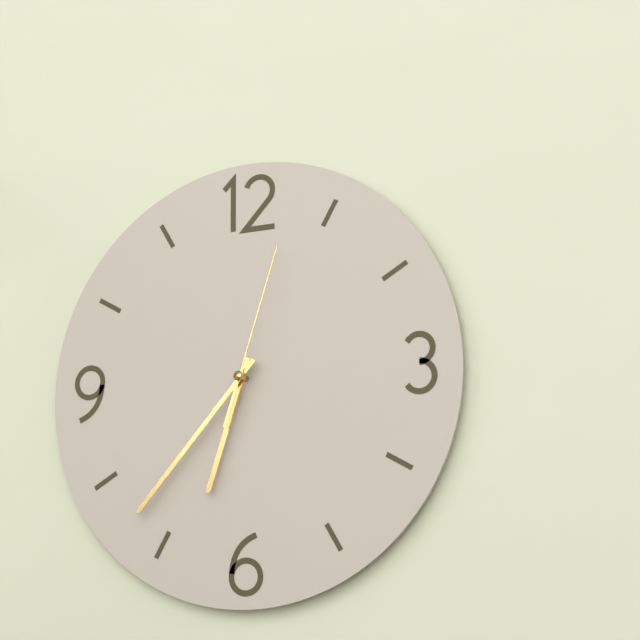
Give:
6h37m03s
